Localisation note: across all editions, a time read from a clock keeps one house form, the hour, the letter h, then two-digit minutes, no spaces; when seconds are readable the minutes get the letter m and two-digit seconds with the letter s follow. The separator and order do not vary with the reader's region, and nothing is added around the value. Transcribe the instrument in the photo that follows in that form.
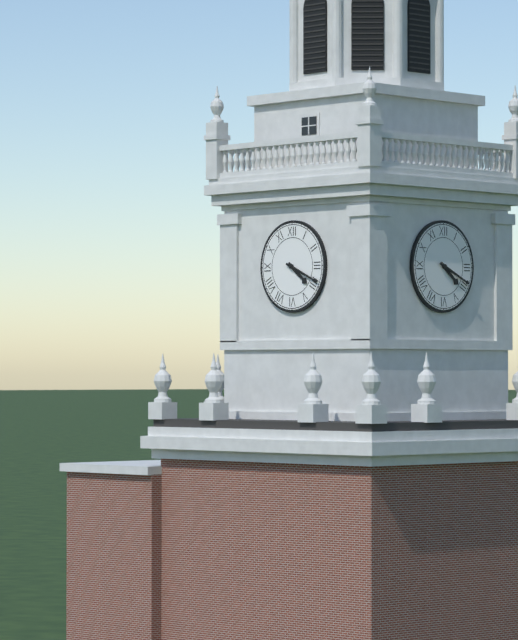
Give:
4h19
